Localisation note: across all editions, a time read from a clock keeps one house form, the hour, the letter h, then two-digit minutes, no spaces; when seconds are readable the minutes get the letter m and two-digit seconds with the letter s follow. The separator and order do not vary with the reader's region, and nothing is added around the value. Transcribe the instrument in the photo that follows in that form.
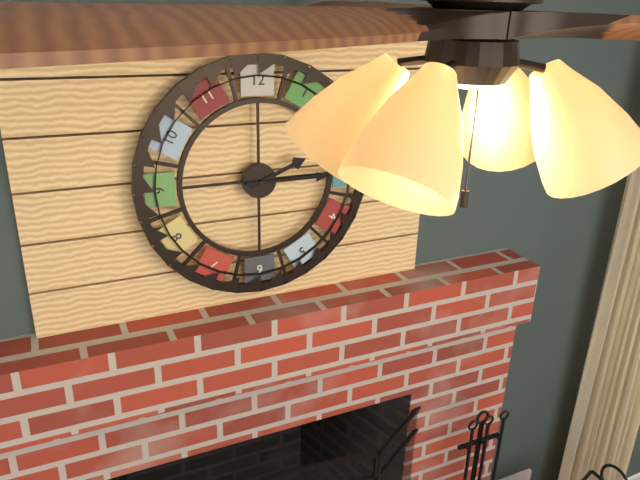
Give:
2h15
